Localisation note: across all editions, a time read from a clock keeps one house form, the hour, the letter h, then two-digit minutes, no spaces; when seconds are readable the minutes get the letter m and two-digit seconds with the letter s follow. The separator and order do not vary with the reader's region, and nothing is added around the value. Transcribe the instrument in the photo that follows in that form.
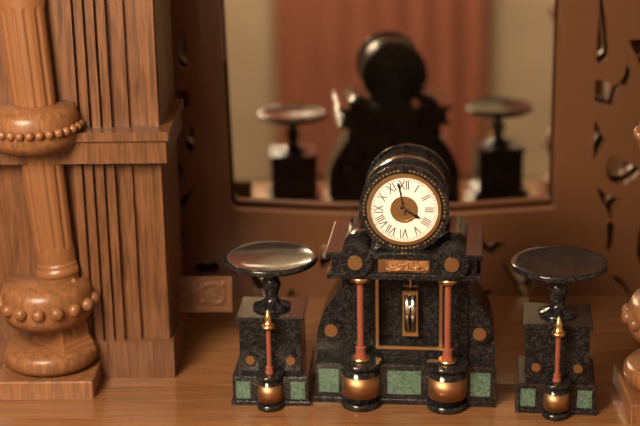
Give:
3h58
